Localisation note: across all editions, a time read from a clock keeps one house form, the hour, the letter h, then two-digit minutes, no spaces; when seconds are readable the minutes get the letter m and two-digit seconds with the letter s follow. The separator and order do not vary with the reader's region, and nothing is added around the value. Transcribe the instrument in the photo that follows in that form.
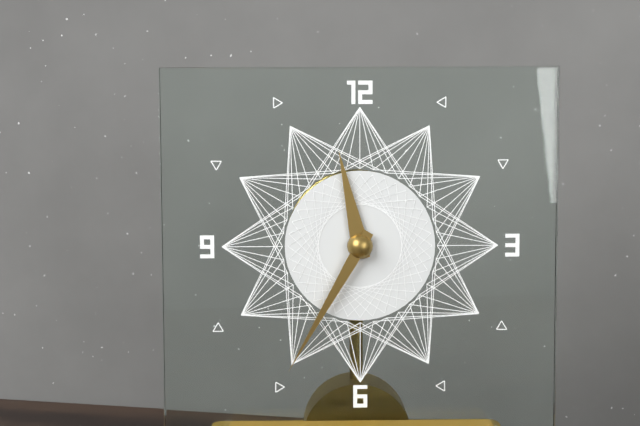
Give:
11h35
